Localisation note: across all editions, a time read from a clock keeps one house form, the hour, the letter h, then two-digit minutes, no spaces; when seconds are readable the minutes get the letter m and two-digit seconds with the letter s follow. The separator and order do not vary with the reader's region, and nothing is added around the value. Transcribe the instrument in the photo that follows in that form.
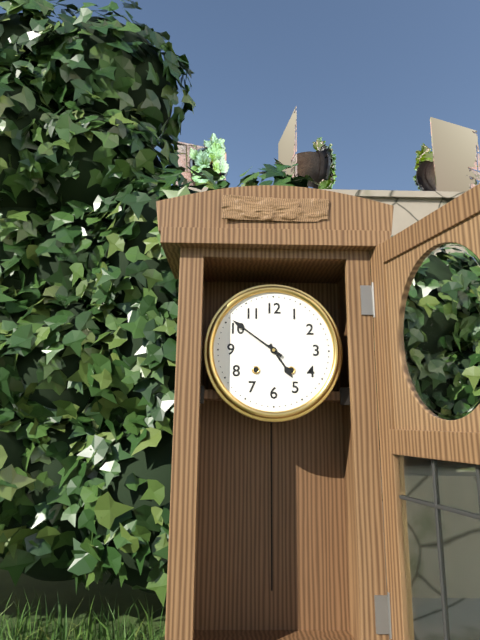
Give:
4h51
